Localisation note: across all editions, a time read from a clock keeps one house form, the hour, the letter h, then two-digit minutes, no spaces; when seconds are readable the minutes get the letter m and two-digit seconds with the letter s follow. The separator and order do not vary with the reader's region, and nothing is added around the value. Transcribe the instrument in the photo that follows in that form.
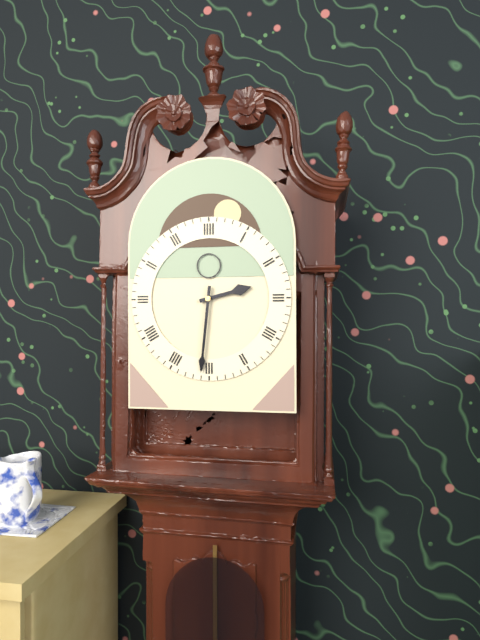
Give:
2h31
